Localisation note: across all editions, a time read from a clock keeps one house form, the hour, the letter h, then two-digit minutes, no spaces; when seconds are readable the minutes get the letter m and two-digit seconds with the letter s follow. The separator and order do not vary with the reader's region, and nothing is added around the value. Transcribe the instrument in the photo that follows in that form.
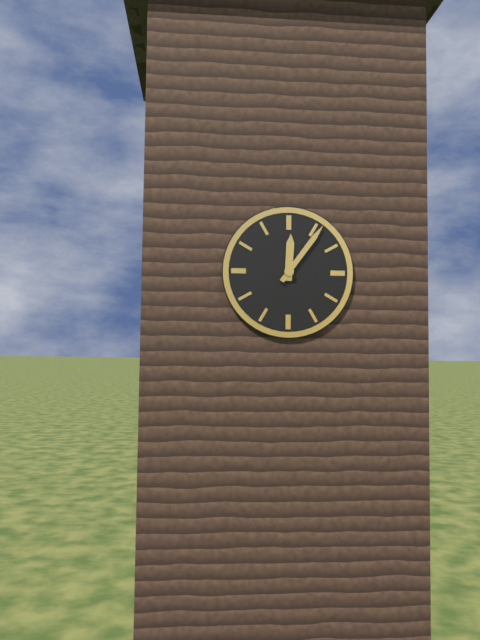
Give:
12h06
